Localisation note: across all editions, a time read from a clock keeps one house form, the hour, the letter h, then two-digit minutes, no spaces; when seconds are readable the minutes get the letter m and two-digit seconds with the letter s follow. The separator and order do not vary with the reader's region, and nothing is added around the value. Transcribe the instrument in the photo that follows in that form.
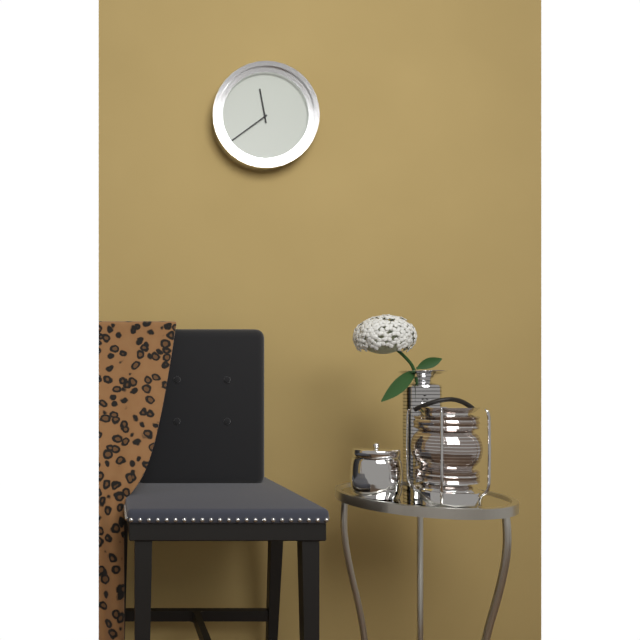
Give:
11h39
